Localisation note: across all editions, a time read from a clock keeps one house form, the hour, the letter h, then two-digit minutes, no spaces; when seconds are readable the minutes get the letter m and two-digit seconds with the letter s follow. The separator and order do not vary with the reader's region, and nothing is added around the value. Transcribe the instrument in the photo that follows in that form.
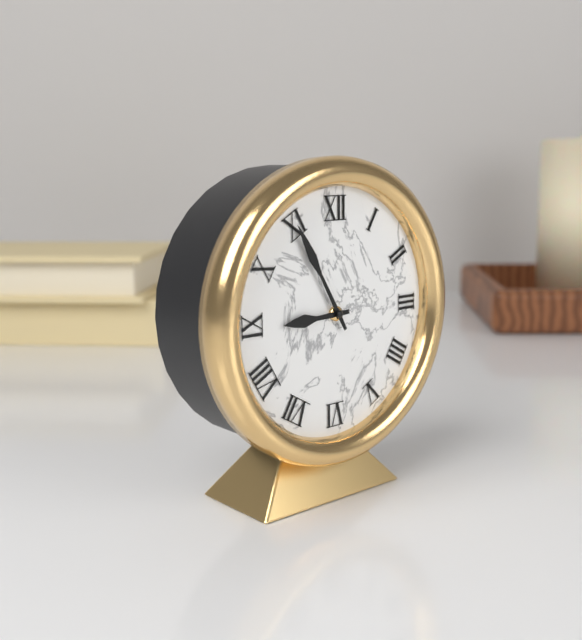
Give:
8h55
